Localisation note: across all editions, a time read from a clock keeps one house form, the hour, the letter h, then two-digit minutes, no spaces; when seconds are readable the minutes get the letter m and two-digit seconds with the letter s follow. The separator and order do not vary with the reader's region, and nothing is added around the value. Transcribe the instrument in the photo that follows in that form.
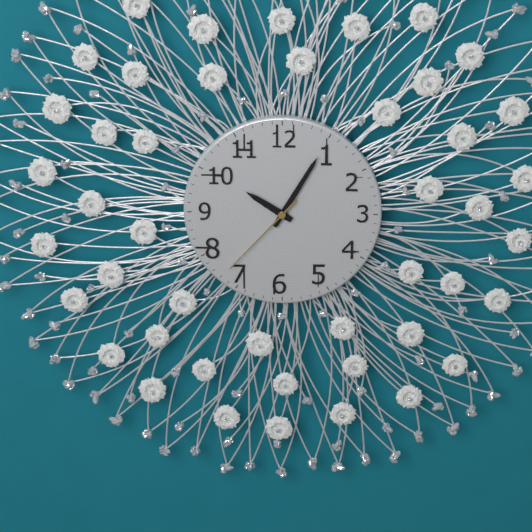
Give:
10h05m37s
